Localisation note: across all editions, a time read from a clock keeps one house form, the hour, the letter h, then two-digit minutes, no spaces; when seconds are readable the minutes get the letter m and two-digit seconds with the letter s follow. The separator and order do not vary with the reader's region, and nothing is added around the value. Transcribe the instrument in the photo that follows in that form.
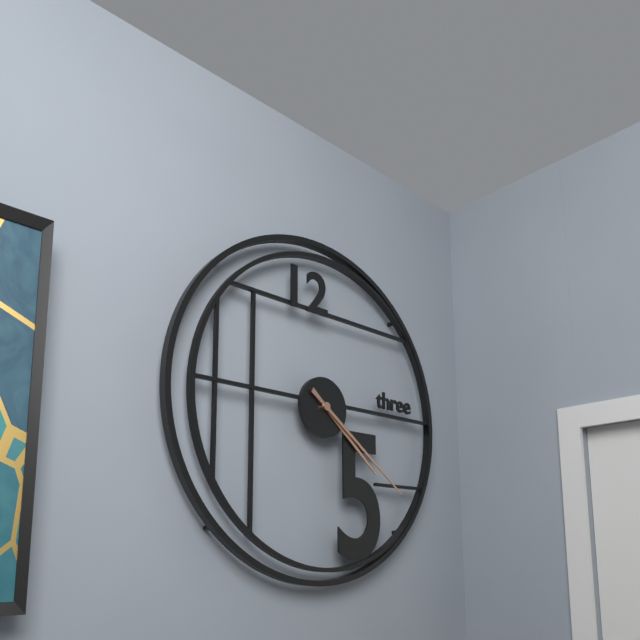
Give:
4h21
